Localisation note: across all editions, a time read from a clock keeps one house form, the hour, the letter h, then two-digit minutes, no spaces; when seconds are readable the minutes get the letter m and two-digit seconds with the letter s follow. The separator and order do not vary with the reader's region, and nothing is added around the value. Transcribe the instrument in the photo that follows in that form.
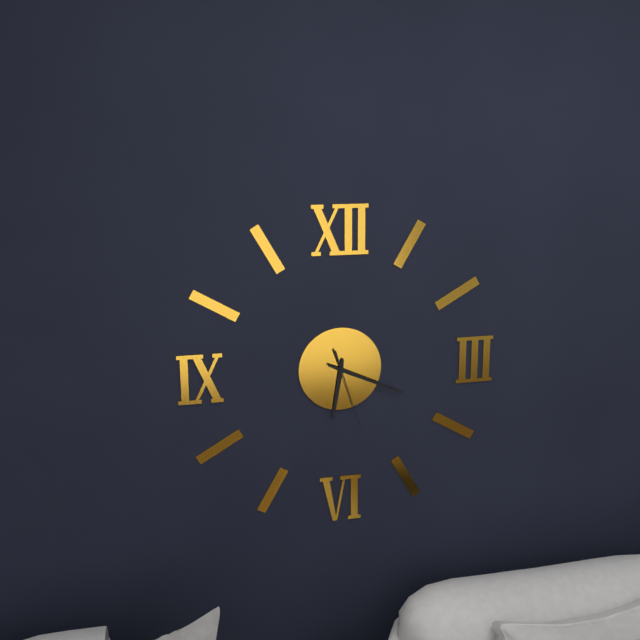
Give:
6h19m27s
